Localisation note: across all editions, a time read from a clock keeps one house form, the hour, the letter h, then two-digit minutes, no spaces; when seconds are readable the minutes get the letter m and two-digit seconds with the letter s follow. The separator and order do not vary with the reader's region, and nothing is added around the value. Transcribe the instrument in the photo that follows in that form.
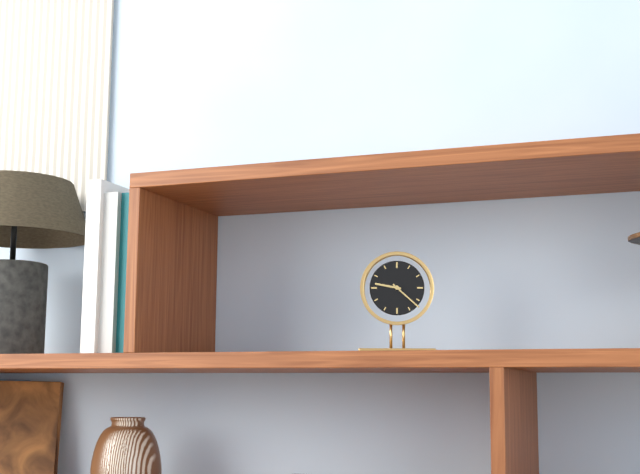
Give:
9h22
